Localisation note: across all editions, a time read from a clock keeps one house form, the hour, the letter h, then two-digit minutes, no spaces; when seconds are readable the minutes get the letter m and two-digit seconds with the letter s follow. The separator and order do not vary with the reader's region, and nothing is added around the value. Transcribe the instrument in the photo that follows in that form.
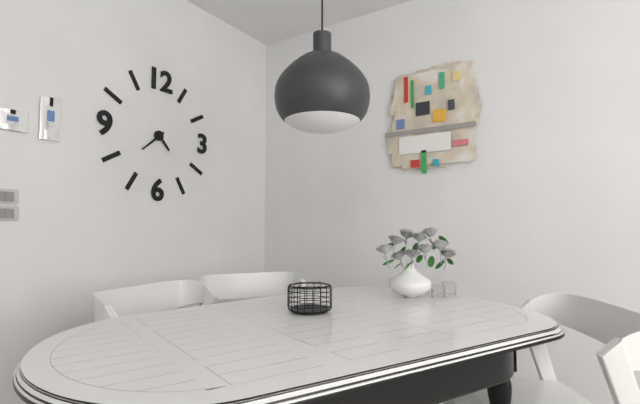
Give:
4h38
